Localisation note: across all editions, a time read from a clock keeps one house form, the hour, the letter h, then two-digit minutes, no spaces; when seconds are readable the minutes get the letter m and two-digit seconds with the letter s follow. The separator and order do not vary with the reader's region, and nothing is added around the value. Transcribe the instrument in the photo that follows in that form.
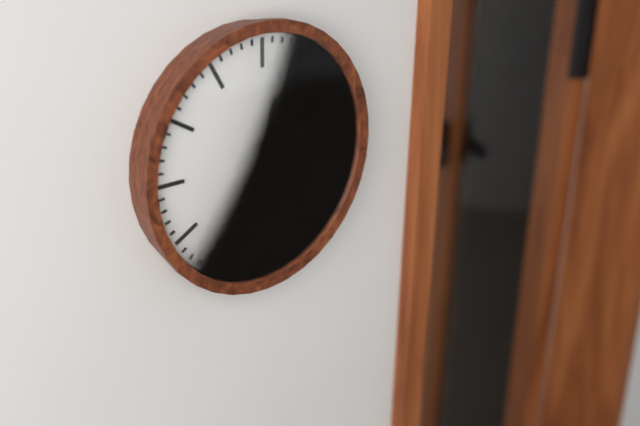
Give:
12h28
